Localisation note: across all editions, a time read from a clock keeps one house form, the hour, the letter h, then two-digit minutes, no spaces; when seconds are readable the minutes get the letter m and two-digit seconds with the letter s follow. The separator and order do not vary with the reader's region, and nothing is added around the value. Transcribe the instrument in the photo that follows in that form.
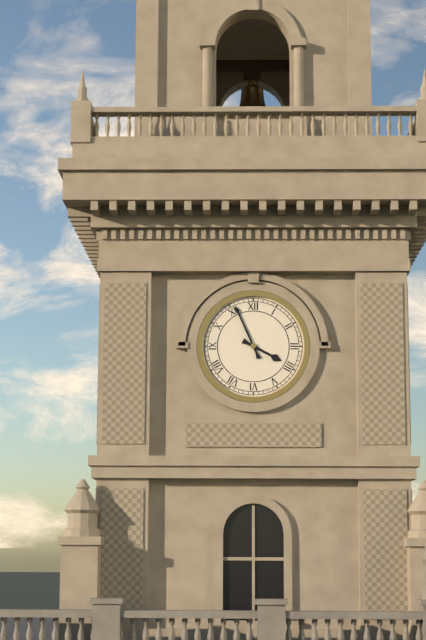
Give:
3h56
